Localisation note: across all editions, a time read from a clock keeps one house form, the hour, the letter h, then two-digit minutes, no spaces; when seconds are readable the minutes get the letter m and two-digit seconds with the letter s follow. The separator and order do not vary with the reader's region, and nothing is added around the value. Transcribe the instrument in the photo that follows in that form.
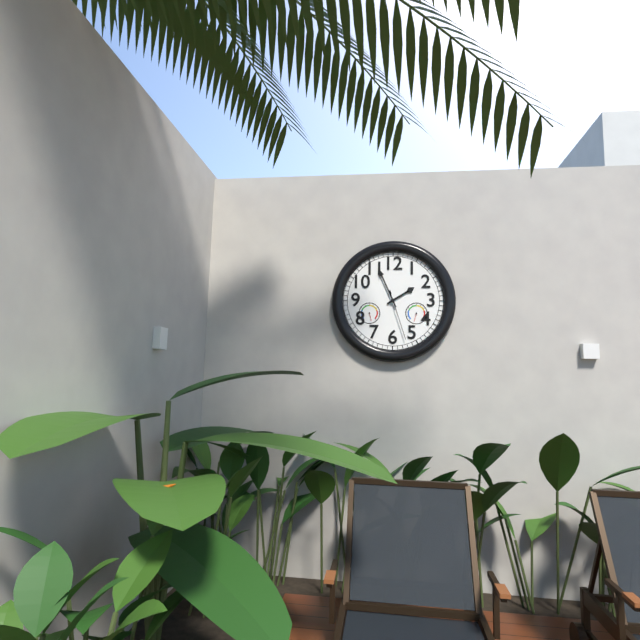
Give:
1h56m27s
